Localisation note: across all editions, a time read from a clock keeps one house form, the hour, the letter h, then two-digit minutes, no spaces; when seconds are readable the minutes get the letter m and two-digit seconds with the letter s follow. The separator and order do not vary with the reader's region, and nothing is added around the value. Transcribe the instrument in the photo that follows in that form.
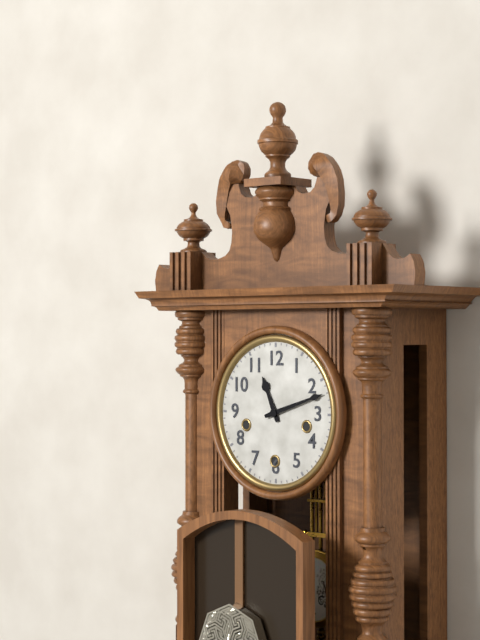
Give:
11h12
